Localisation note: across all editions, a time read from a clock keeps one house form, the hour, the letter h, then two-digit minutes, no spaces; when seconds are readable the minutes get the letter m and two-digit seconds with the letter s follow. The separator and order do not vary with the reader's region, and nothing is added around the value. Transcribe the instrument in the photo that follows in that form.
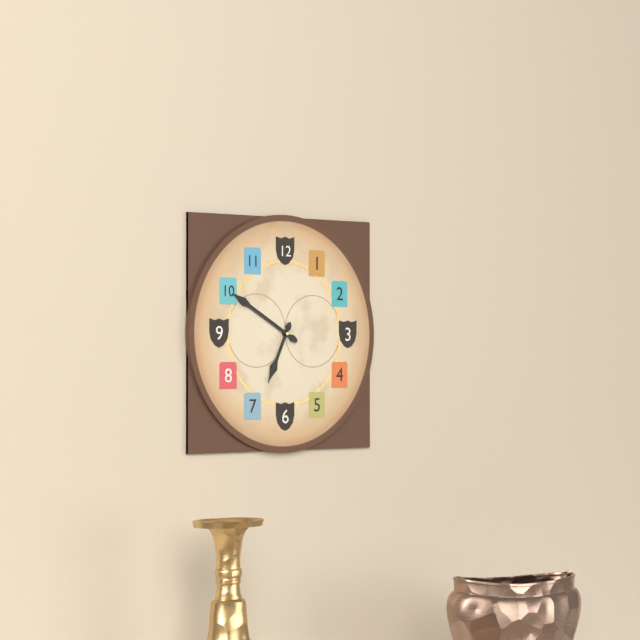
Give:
6h50
